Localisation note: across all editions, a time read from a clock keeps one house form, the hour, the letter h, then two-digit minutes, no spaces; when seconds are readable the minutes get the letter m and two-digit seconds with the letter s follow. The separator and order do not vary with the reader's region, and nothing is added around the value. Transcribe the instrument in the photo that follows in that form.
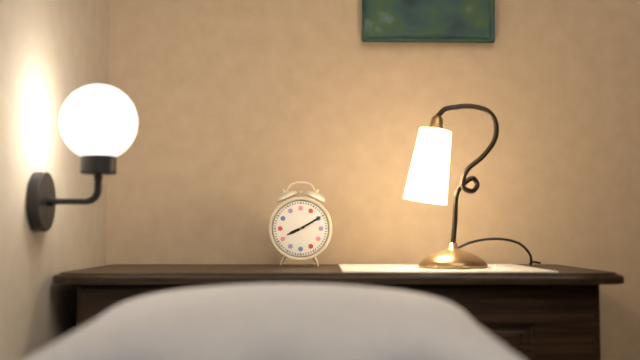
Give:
8h10
